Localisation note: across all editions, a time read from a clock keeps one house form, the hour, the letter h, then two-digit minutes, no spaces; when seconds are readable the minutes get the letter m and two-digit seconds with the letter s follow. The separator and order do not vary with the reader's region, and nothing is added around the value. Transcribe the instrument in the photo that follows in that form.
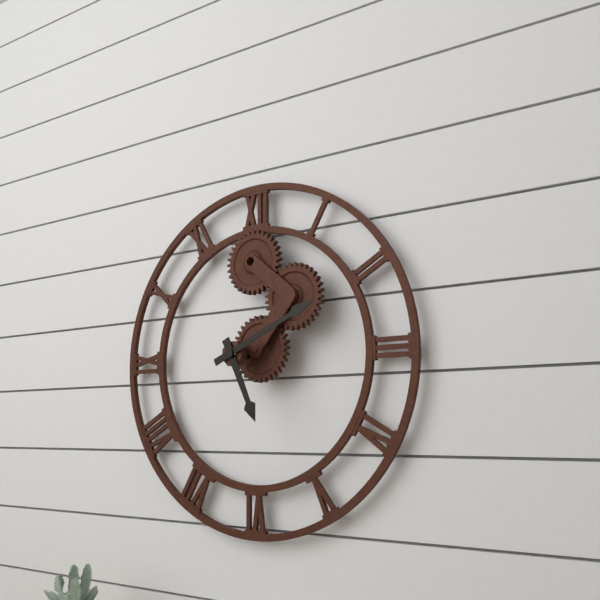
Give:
5h11
